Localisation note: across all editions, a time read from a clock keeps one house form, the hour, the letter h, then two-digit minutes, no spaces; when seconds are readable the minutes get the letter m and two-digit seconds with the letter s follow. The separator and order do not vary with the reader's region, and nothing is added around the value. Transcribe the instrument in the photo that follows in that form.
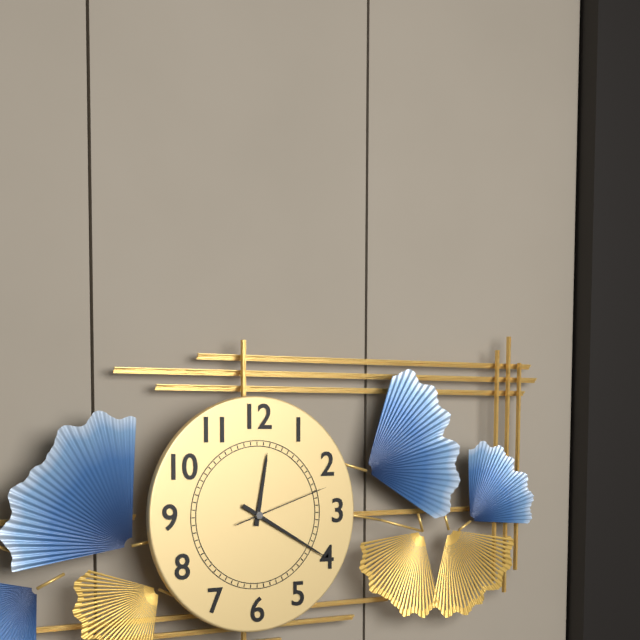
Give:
12h20m12s
